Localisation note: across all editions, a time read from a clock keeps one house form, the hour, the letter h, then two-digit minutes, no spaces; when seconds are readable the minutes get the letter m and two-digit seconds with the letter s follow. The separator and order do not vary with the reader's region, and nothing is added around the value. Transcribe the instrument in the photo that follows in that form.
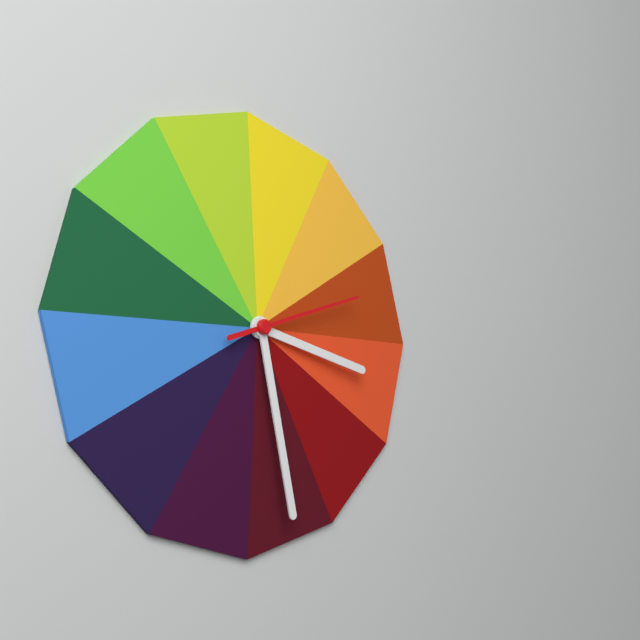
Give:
3h28m12s
